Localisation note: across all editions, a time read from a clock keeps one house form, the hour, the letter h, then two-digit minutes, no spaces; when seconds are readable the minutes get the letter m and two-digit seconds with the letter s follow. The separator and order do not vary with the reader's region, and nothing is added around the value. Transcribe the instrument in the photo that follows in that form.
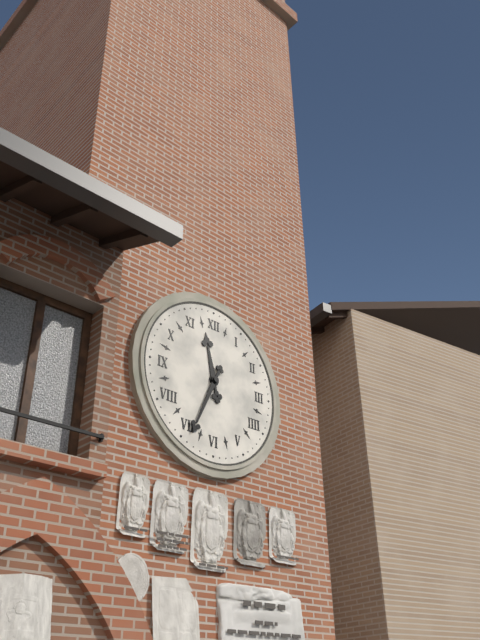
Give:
11h34
